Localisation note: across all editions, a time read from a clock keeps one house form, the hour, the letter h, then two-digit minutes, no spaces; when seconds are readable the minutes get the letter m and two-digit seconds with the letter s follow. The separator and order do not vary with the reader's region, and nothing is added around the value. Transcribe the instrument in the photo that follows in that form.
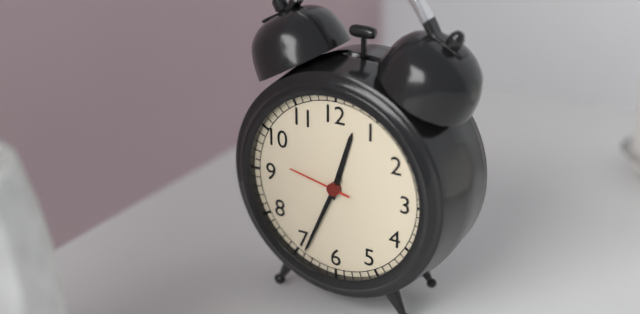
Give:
12h34m47s
